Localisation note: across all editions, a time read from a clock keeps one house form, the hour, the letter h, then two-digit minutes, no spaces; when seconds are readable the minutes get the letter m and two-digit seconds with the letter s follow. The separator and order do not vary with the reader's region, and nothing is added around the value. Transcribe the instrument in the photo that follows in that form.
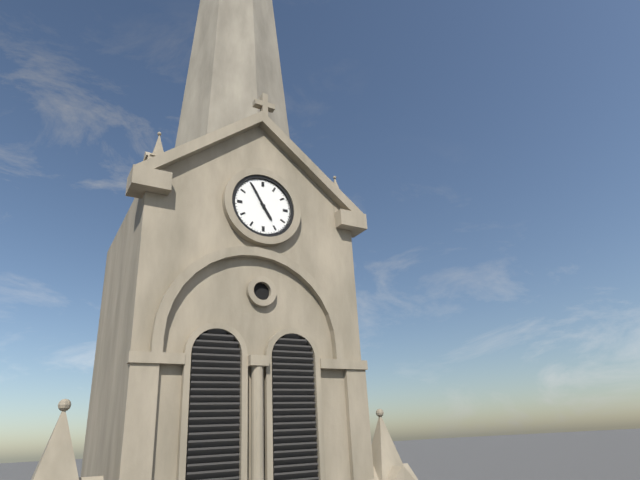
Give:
4h55
